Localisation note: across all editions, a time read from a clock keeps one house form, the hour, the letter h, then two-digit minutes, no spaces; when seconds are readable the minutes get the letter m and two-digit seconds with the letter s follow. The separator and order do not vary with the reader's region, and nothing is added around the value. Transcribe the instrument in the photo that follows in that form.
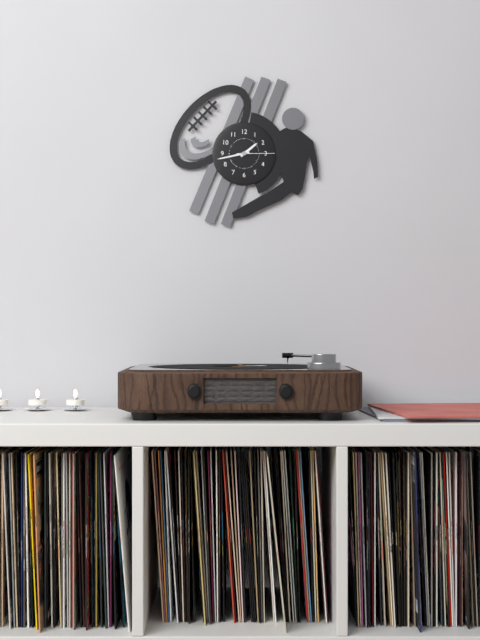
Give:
1h43
